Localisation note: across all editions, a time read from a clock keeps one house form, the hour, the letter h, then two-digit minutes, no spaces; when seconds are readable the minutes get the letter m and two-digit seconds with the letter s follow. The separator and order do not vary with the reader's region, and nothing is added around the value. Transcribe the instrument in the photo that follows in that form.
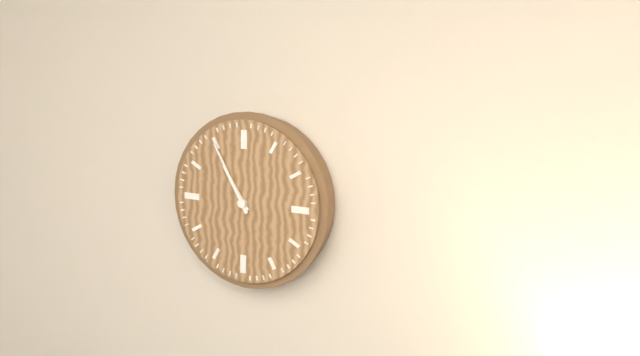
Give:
10h55
